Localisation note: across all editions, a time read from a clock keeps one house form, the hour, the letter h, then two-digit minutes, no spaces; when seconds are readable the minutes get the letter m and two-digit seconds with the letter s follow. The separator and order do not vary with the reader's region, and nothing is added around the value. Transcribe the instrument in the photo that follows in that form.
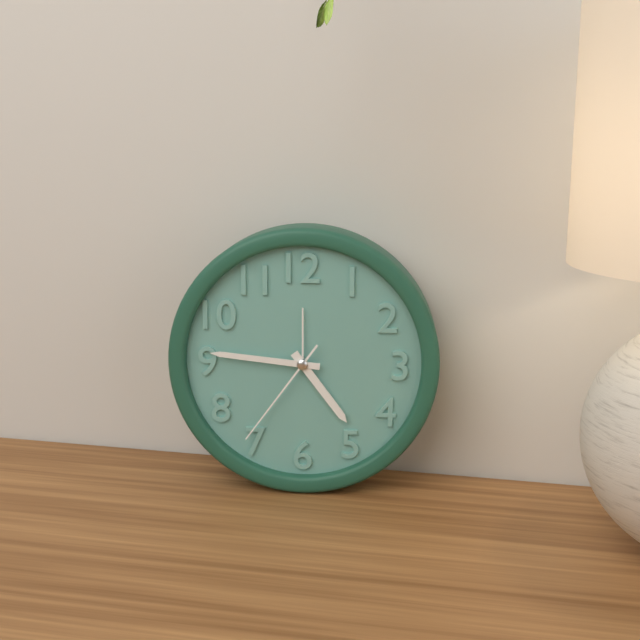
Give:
4h46m36s
